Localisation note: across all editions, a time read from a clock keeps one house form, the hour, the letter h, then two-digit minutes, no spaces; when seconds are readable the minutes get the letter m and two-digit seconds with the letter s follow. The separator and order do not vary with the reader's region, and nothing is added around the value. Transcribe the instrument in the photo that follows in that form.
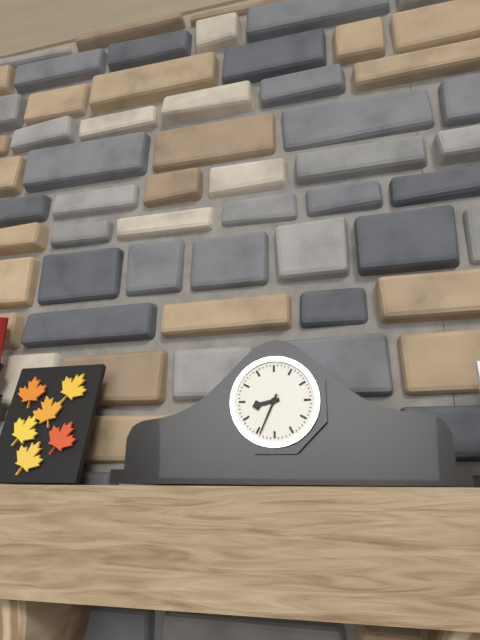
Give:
8h34
